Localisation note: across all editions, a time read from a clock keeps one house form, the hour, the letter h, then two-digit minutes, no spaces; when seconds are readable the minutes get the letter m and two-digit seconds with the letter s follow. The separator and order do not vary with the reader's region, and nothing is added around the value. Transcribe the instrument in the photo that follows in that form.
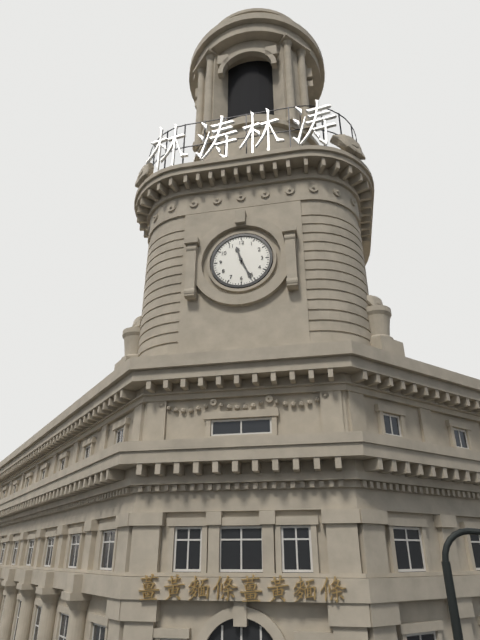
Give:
11h26
